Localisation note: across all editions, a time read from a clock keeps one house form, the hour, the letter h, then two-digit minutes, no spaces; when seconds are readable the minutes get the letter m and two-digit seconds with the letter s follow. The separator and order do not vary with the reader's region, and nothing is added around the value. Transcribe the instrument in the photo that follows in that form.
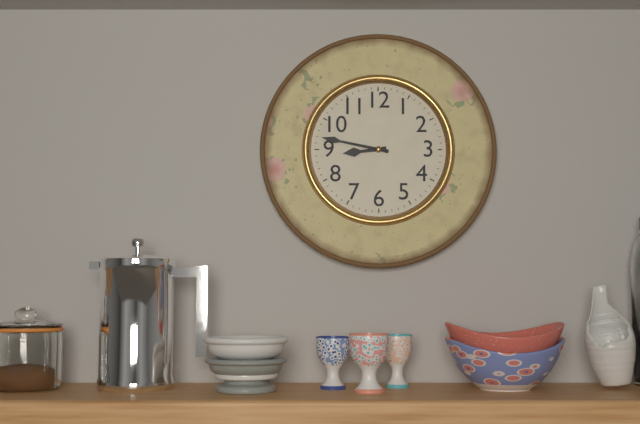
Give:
8h47
